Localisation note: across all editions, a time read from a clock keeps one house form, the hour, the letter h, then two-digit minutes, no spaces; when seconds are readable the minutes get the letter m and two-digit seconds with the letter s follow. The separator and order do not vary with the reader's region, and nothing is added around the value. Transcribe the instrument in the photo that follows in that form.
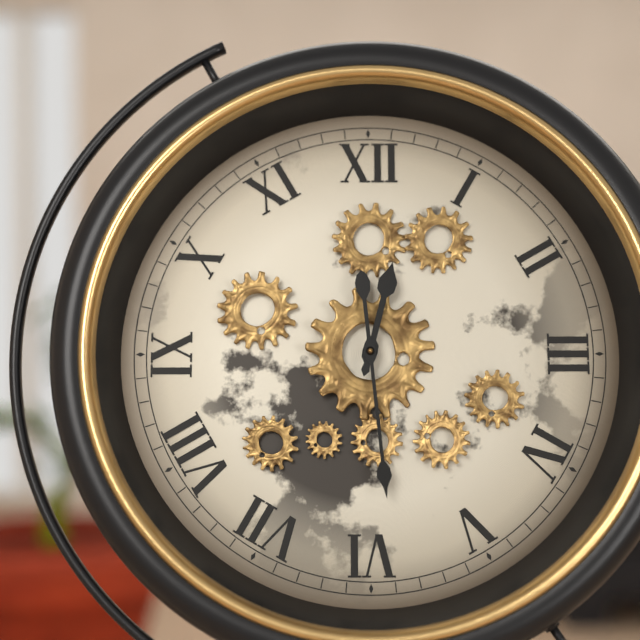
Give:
12h29
